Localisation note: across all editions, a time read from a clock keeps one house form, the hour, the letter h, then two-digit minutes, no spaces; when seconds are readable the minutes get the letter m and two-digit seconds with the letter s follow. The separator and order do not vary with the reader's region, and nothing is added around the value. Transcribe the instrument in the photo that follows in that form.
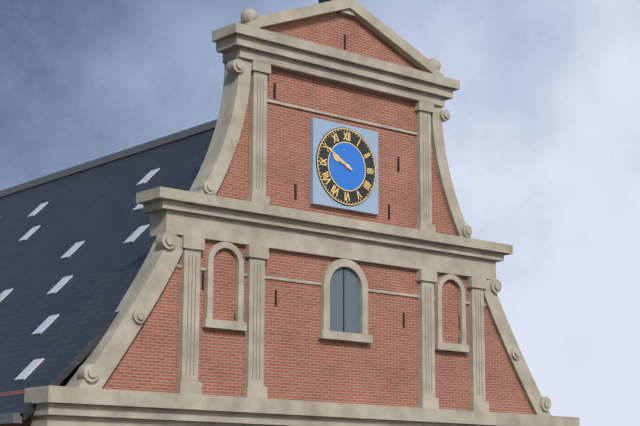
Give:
9h50
